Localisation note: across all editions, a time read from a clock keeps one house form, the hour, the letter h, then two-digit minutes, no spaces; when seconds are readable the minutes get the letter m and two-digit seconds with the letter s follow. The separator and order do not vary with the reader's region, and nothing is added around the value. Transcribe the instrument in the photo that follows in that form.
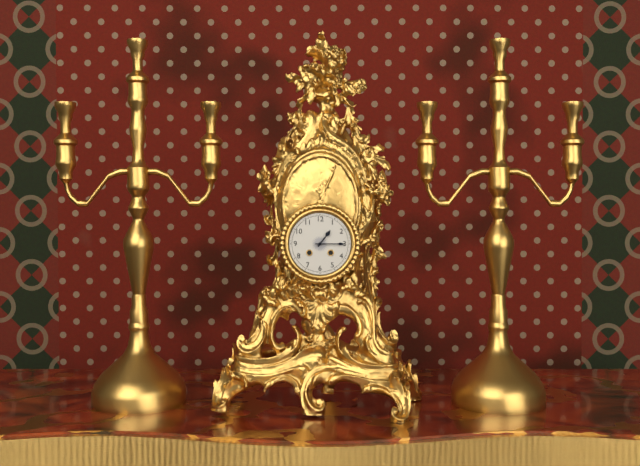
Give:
1h15
